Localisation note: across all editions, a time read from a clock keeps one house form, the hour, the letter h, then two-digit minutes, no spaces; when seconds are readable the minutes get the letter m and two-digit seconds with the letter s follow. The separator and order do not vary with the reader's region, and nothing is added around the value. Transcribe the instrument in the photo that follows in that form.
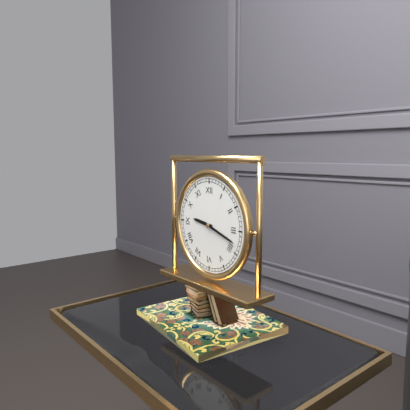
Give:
9h18
